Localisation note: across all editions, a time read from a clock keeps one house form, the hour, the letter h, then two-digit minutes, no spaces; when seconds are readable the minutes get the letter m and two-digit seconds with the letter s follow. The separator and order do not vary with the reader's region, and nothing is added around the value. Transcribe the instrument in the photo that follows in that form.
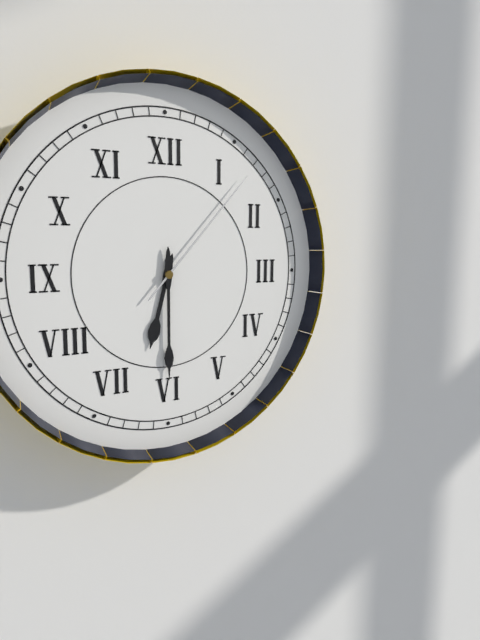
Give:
6h30m07s
